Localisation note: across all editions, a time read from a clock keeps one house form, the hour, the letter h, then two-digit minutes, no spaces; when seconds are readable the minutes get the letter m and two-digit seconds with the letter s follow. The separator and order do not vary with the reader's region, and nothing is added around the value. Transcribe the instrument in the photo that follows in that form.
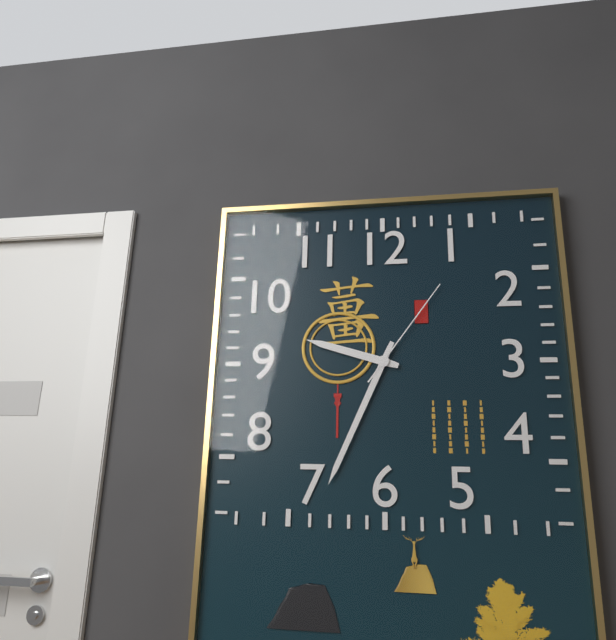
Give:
9h34m06s
